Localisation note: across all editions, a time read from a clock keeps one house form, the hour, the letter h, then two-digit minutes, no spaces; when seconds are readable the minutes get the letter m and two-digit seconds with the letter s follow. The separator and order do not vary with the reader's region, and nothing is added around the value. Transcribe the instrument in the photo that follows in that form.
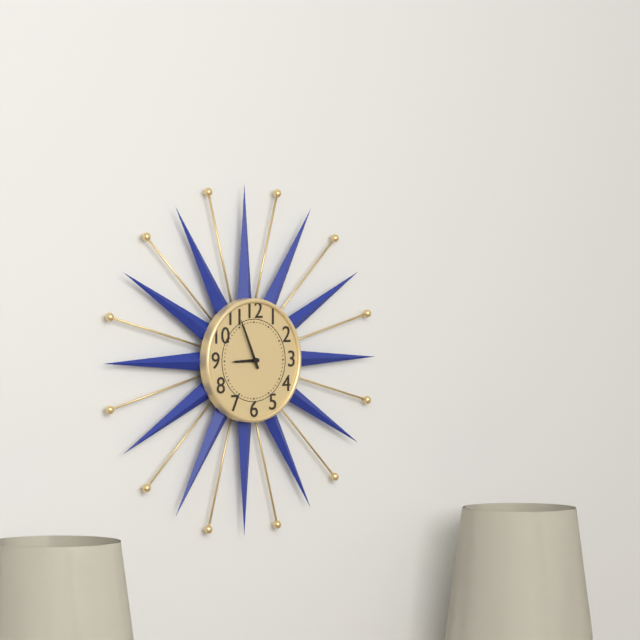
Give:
8h56
